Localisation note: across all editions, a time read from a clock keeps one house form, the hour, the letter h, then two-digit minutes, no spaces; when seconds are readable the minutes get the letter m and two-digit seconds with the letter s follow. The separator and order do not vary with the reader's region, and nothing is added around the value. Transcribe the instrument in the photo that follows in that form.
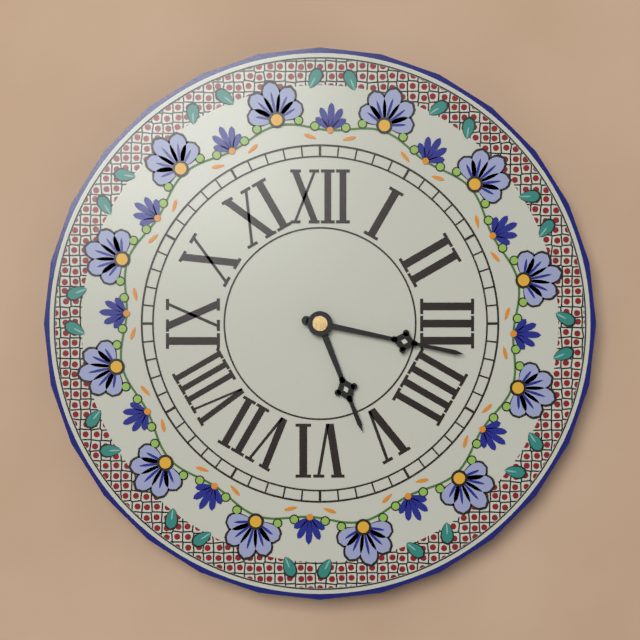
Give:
5h17
